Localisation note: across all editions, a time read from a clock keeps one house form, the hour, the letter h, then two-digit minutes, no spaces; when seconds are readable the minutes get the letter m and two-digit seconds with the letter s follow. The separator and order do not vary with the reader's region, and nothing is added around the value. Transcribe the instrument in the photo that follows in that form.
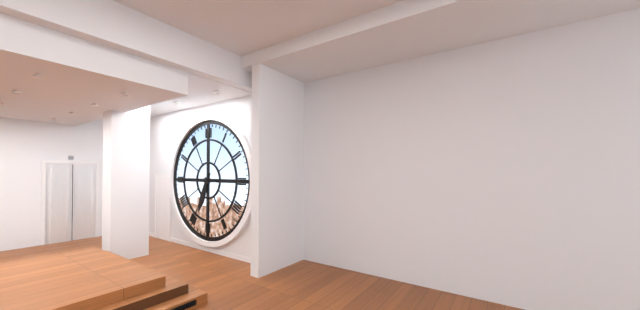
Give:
6h45
